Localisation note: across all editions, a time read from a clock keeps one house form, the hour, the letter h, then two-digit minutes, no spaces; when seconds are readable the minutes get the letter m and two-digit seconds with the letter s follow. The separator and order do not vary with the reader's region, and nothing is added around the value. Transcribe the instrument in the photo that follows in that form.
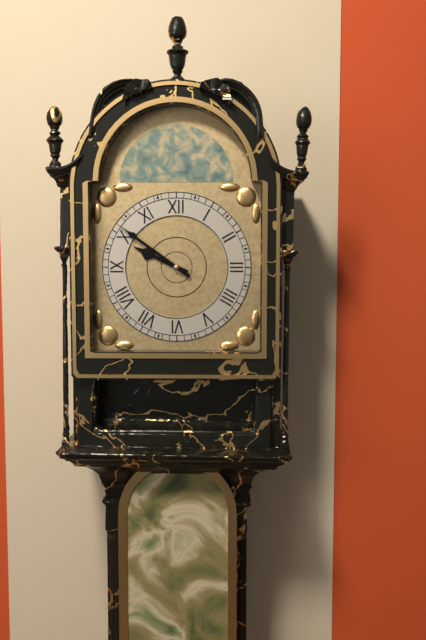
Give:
9h51
